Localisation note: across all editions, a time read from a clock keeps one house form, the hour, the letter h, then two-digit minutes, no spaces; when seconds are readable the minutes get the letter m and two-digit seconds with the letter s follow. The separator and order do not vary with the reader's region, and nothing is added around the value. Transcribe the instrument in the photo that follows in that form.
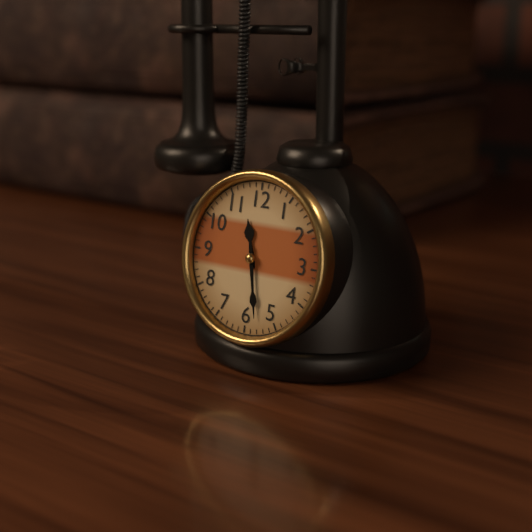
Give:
11h28
